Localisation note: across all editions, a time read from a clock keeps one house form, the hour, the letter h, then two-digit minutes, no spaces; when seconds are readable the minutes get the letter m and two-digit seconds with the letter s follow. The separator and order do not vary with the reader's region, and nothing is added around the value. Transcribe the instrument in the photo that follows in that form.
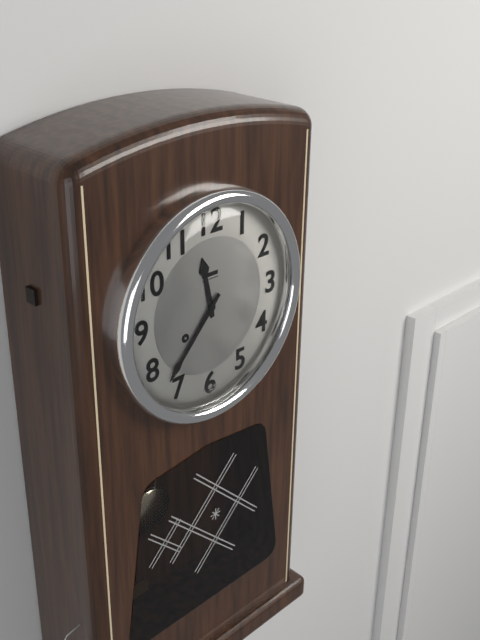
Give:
11h37
